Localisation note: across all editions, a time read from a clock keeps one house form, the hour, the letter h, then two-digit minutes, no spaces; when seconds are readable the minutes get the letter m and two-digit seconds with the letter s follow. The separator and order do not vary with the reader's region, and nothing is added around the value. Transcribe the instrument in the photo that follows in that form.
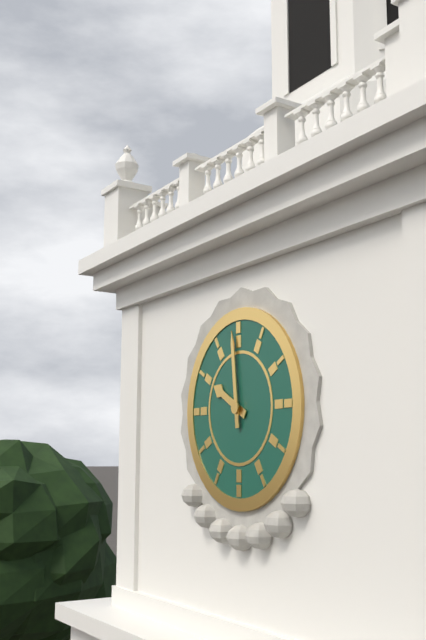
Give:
9h59
